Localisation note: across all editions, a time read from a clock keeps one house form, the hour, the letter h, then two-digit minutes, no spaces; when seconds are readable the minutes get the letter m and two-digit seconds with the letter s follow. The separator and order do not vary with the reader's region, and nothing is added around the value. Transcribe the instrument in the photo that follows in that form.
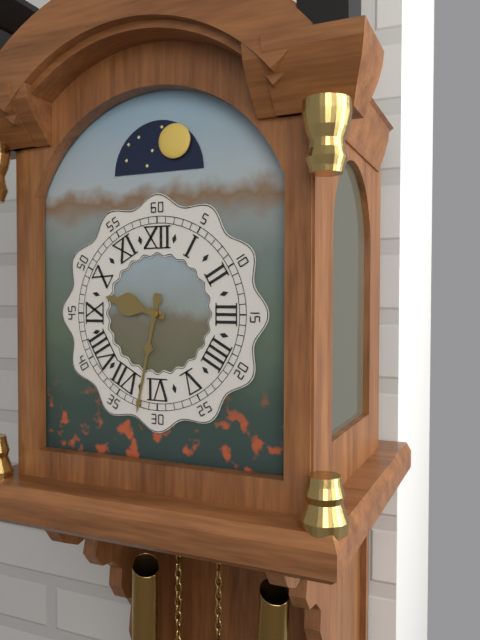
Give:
9h32
